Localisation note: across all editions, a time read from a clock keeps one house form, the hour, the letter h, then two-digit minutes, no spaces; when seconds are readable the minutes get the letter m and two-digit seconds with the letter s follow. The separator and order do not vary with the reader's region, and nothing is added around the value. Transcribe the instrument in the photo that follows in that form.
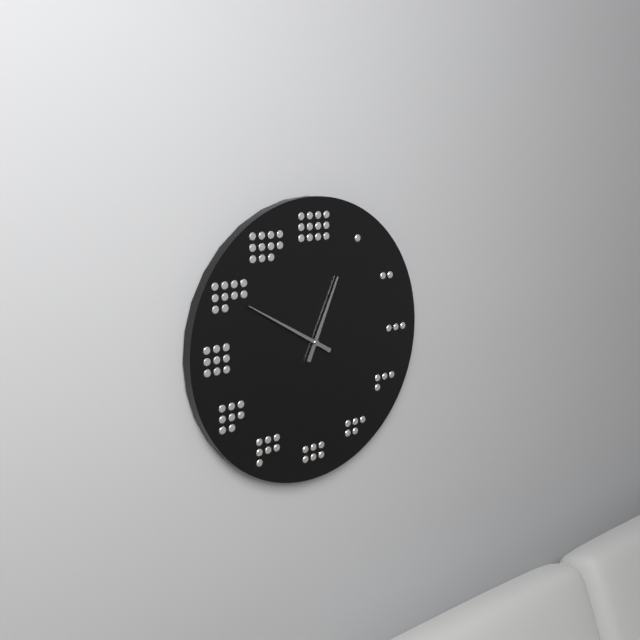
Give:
12h50
